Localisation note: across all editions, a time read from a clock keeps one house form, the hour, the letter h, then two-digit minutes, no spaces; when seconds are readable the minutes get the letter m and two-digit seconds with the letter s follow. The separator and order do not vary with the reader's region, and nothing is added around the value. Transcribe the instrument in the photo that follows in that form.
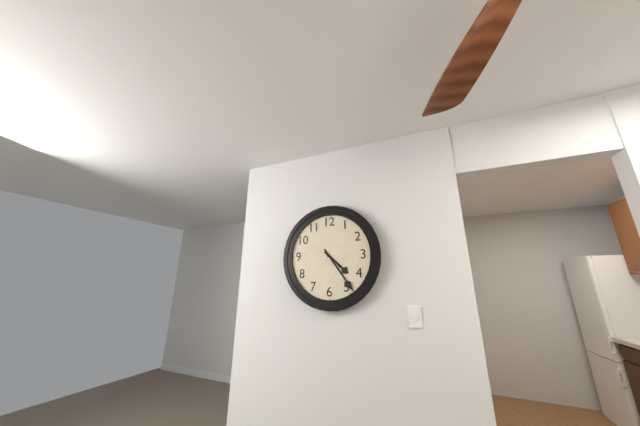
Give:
4h24
